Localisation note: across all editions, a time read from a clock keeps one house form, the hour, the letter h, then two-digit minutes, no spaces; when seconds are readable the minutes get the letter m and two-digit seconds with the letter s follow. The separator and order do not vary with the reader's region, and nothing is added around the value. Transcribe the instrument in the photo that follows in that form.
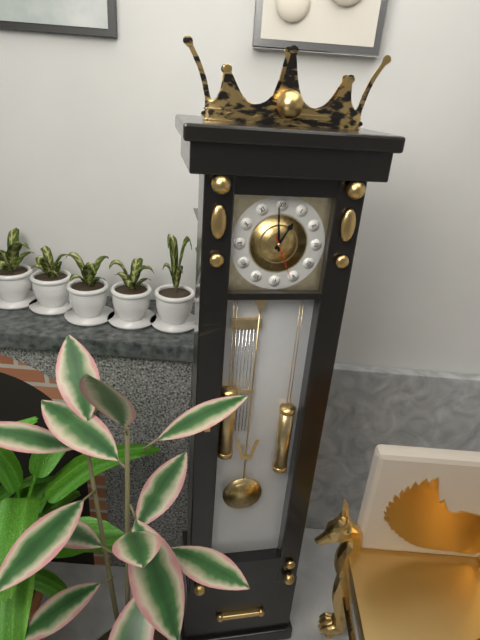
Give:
12h59
